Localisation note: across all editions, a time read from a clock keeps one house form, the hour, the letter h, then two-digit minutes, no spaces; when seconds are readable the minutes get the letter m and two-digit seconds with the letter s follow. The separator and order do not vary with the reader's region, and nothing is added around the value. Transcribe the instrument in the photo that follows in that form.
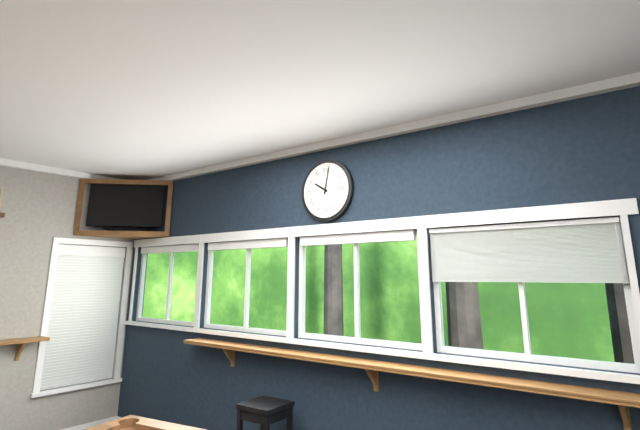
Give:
10h02
